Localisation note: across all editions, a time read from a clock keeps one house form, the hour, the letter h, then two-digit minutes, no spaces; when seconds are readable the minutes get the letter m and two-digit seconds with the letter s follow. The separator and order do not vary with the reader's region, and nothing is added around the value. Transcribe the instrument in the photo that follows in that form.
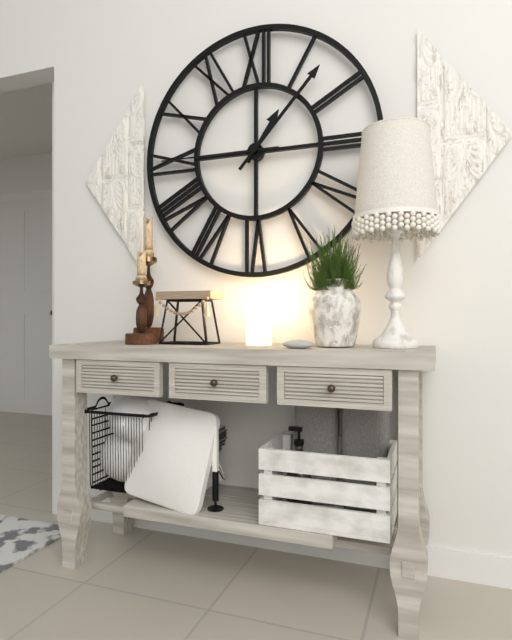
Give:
1h07m45s
